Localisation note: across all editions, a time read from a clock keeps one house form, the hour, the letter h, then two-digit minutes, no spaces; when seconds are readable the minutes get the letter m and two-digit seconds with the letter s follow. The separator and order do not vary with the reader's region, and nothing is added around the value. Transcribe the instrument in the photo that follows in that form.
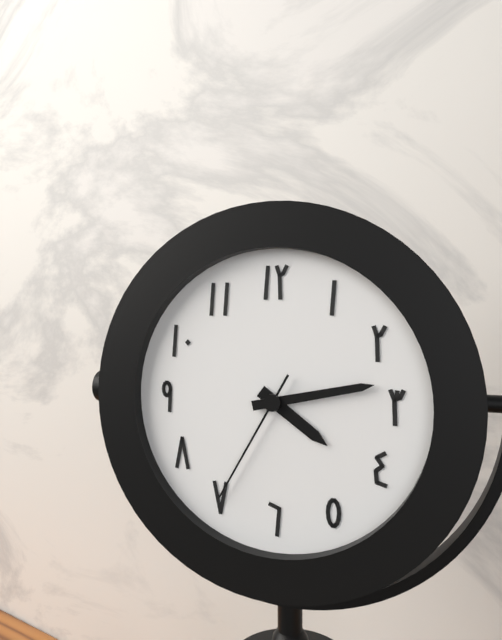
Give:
4h13m35s
